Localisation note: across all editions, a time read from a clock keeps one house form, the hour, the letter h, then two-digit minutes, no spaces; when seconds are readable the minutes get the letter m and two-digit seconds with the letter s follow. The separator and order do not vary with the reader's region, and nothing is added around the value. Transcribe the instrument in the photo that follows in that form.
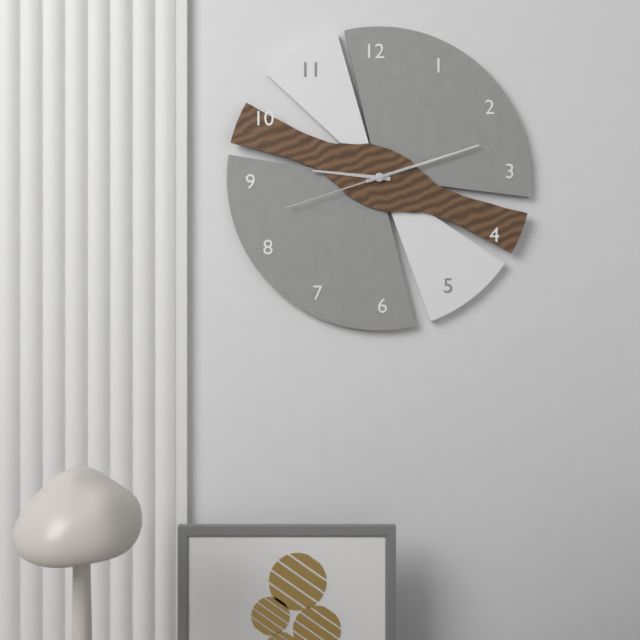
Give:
9h12m42s
